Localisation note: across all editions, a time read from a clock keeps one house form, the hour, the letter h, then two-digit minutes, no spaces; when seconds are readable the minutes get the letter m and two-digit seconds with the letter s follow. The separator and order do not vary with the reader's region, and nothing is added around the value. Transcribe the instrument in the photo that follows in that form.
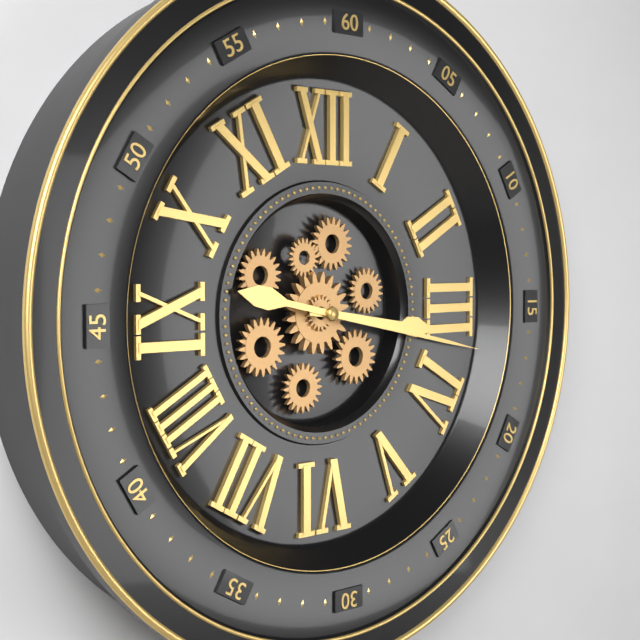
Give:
3h17
